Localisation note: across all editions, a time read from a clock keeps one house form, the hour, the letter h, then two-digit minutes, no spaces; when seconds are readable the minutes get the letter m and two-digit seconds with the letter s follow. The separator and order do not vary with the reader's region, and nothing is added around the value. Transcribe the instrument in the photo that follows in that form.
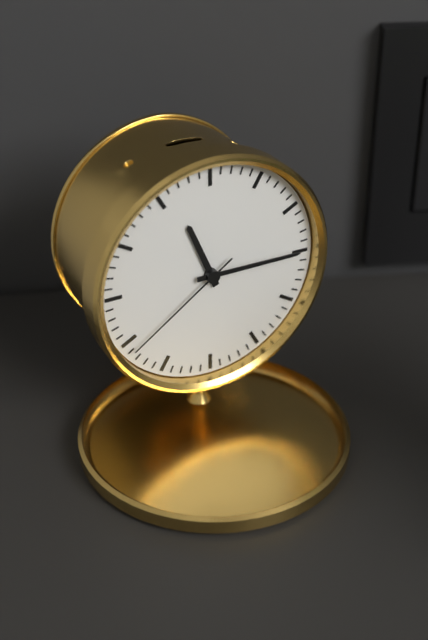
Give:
11h15m39s
